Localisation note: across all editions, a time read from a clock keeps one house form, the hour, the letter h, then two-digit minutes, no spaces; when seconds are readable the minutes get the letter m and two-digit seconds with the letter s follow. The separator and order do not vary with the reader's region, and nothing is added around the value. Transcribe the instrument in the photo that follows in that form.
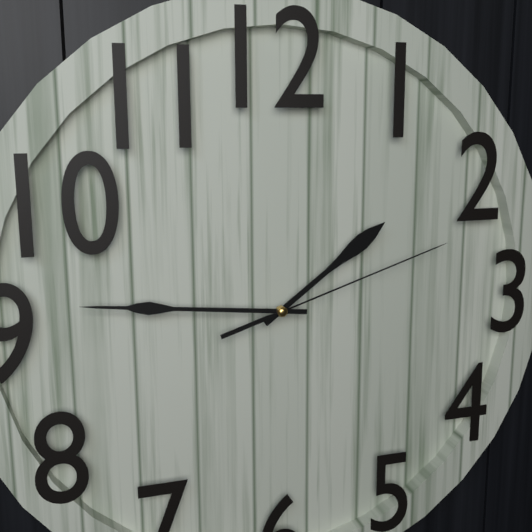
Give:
1h46m12s
